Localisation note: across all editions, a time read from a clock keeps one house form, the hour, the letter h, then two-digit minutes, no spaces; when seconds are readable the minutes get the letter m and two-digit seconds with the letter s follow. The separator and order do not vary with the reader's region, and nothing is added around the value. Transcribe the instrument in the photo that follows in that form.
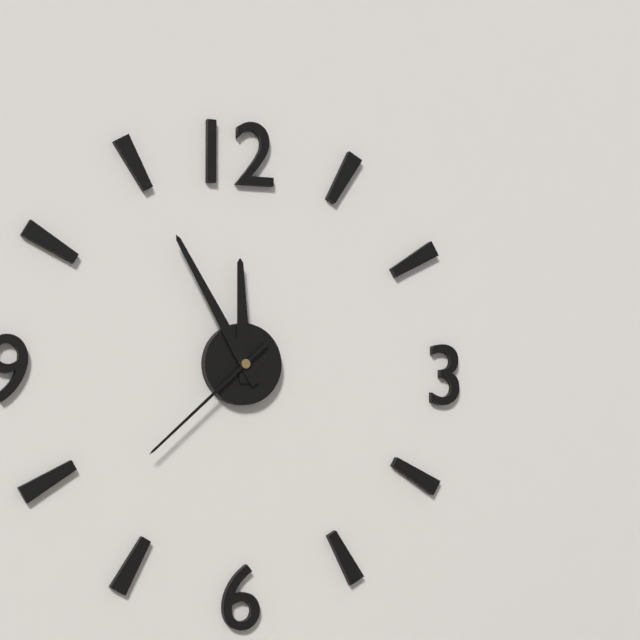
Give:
11h55m38s
